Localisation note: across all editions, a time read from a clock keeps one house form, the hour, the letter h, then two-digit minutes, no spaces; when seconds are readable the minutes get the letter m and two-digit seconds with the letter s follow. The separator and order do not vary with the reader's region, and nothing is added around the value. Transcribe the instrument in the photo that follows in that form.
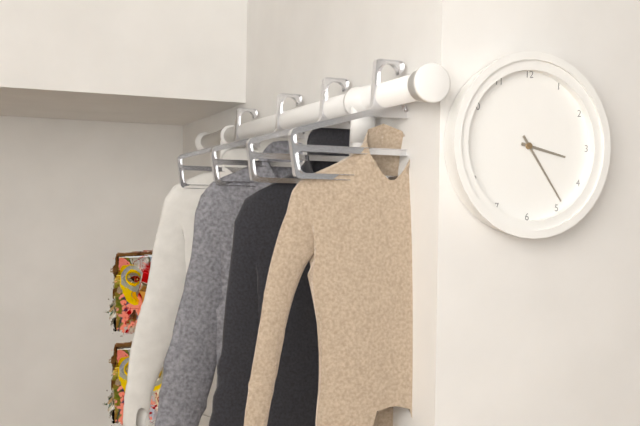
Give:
3h24
